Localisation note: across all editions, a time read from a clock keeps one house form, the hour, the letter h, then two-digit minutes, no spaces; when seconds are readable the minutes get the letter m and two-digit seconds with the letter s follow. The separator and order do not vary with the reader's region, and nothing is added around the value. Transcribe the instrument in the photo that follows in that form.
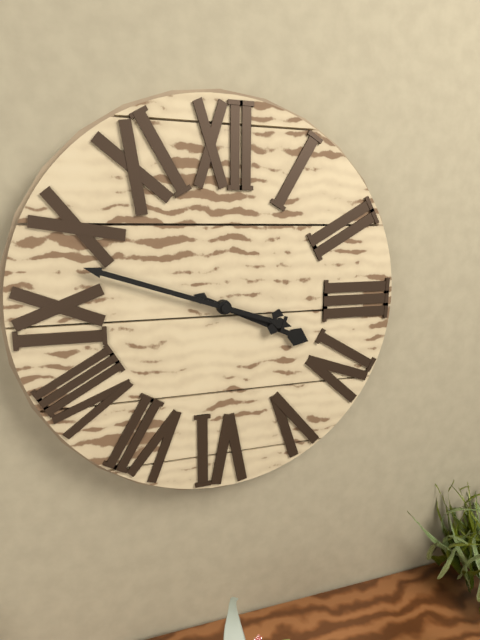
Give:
3h48
